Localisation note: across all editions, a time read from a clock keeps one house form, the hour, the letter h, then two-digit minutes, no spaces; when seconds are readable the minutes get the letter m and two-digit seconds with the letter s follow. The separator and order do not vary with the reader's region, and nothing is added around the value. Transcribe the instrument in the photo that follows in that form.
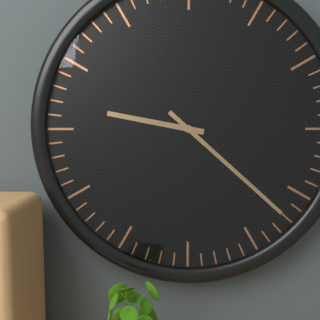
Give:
9h22
